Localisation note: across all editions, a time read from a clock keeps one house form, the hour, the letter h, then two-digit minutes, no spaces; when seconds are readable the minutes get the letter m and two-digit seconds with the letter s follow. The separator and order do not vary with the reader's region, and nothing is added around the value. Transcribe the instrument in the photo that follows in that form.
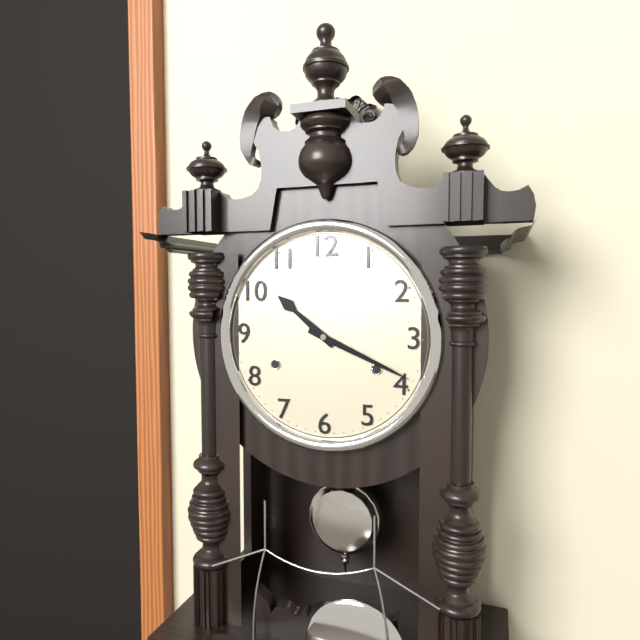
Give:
10h19
